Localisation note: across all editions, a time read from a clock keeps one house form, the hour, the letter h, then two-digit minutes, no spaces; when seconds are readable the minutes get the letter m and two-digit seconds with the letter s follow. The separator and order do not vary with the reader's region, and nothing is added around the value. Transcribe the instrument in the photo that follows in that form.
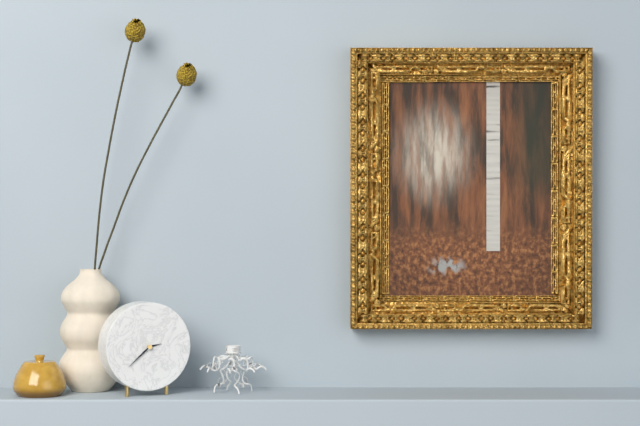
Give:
2h38
